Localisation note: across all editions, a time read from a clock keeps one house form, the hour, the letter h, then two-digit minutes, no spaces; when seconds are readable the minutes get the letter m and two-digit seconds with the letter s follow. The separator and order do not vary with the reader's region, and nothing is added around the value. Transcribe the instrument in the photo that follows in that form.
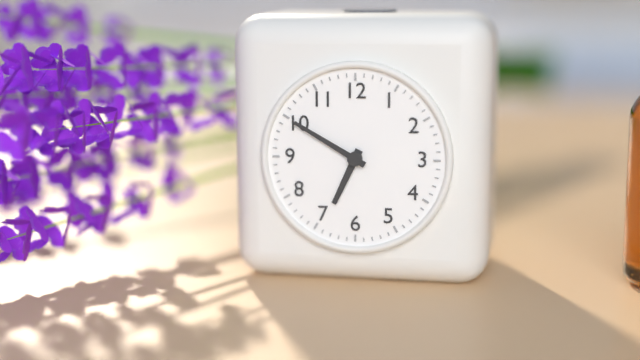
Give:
6h50
